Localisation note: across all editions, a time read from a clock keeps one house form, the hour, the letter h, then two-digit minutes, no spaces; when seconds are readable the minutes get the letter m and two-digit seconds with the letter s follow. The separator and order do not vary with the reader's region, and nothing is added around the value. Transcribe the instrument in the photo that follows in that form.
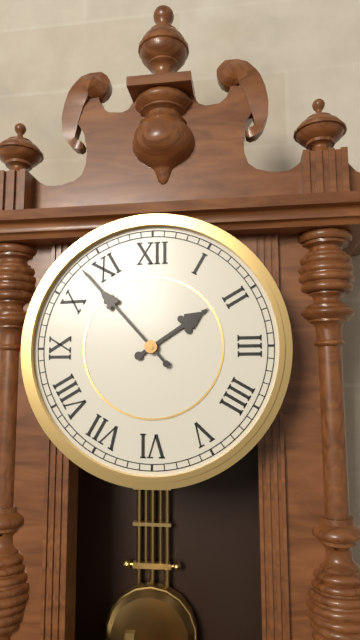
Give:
1h53
